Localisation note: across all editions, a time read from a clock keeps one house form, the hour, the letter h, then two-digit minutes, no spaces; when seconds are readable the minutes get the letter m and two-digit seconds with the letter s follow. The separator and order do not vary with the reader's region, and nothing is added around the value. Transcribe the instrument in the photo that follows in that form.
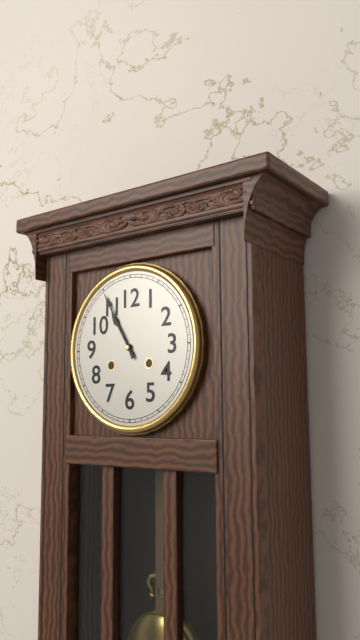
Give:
10h55
